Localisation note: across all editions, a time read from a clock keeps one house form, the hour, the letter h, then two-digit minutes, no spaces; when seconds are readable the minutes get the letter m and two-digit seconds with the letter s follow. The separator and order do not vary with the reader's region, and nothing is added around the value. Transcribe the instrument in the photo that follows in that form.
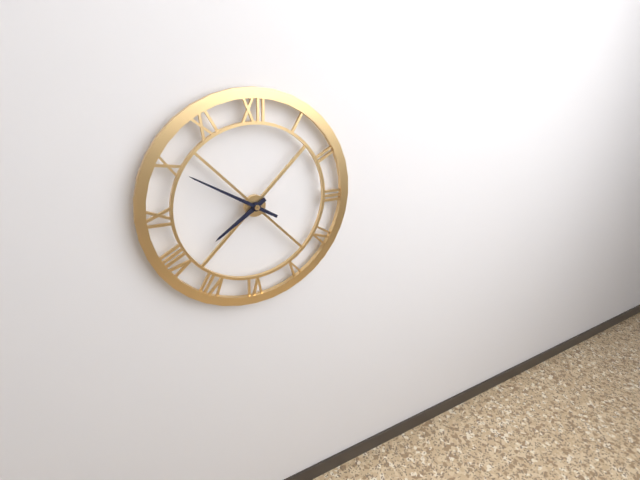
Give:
7h50
